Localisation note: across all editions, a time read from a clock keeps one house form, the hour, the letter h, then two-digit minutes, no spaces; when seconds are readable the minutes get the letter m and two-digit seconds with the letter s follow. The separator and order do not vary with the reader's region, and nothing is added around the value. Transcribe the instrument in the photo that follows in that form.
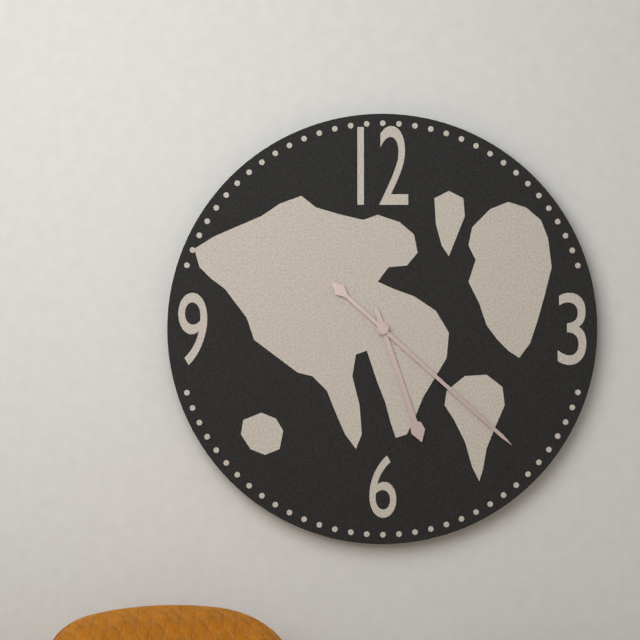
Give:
5h22
